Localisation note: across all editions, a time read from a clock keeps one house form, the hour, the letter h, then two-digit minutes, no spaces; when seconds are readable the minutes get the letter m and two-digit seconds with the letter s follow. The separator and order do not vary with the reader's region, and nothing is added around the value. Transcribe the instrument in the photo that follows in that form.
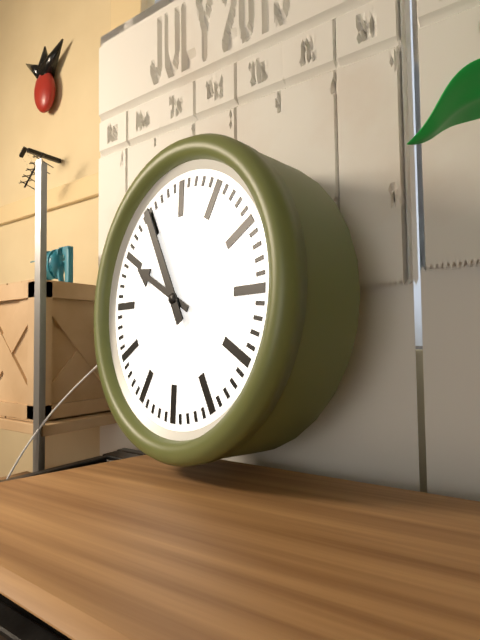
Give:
9h55
